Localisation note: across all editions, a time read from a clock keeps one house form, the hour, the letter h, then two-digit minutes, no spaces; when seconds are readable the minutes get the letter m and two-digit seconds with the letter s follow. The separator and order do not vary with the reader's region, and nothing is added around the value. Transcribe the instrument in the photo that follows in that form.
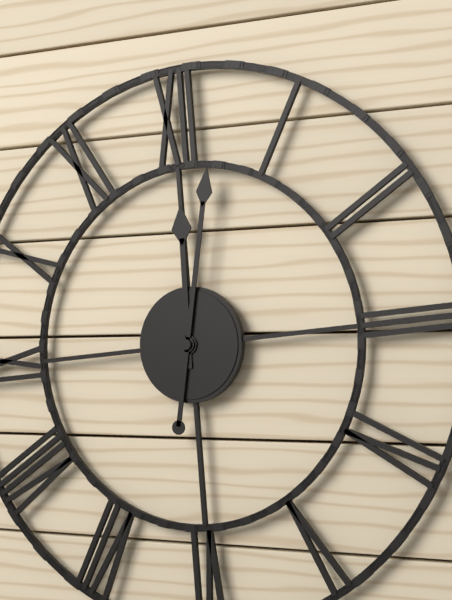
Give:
12h02
